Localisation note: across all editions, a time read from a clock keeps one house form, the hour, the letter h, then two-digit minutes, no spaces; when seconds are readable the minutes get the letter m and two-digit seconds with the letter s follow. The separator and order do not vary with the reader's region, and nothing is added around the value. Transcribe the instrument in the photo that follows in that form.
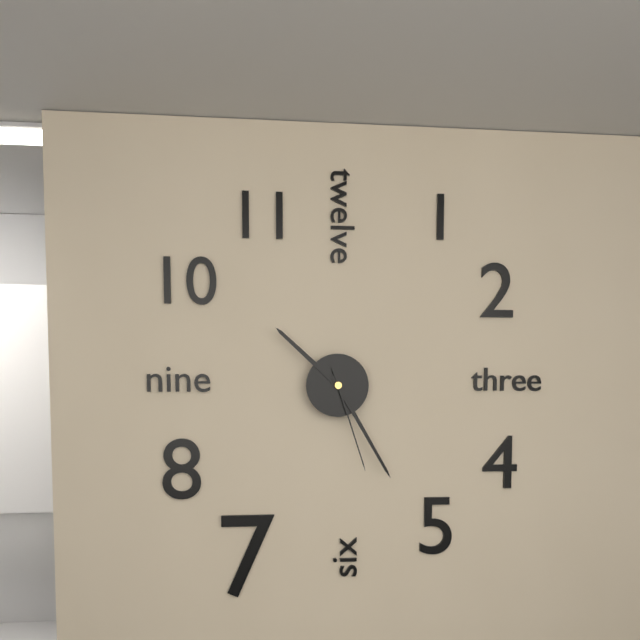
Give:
10h25m27s
